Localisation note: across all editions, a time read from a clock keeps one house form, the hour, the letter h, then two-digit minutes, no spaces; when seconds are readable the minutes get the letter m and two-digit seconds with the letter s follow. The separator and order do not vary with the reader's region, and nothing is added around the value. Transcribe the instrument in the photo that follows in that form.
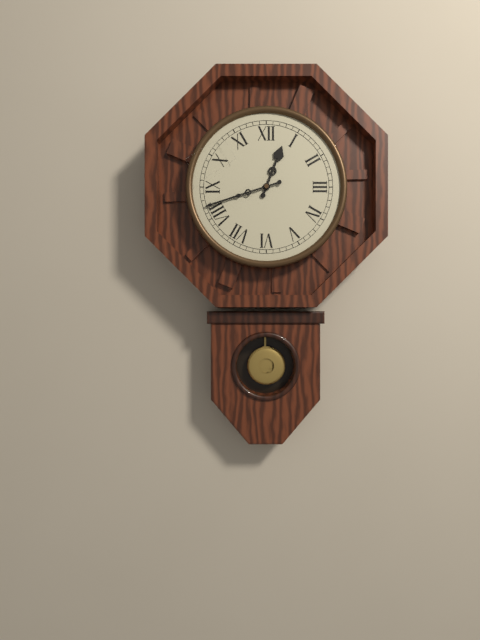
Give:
12h42
